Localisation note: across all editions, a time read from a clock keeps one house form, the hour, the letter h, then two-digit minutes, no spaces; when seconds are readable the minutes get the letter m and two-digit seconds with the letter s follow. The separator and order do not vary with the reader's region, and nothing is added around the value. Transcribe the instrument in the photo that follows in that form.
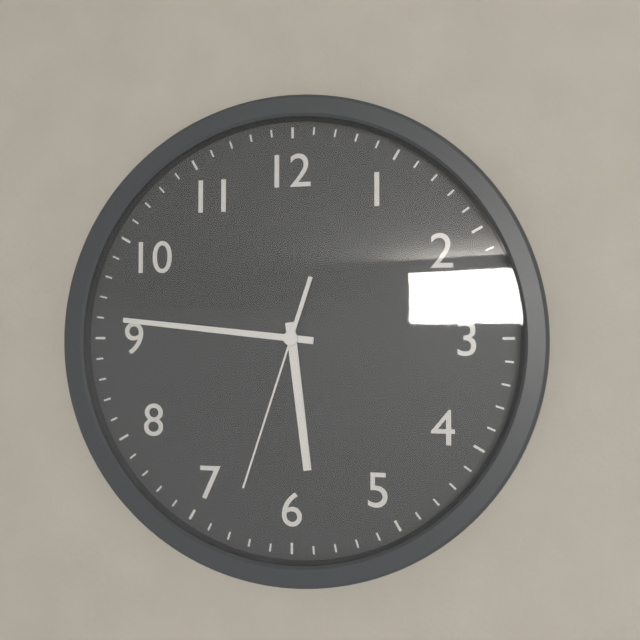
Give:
5h46m33s
